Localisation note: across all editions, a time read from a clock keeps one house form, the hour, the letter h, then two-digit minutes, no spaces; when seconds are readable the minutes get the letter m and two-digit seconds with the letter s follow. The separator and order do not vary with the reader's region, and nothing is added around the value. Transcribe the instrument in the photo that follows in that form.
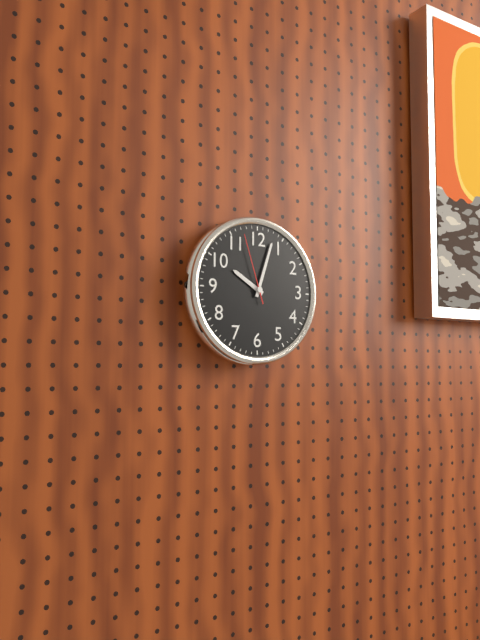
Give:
10h03m57s
